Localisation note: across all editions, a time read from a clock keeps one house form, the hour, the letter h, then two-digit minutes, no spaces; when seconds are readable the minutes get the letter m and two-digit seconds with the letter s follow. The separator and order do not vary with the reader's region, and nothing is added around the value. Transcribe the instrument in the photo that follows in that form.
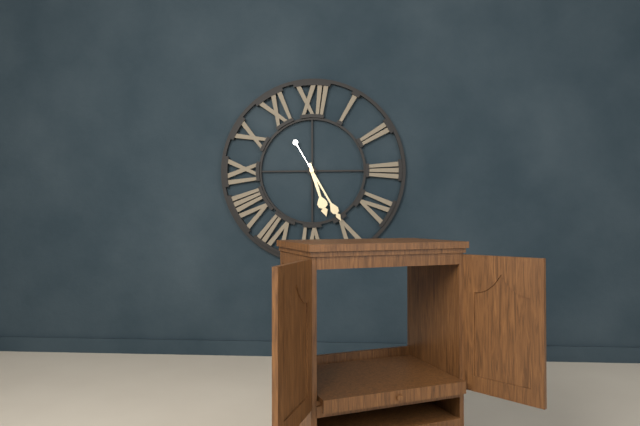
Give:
5h25
